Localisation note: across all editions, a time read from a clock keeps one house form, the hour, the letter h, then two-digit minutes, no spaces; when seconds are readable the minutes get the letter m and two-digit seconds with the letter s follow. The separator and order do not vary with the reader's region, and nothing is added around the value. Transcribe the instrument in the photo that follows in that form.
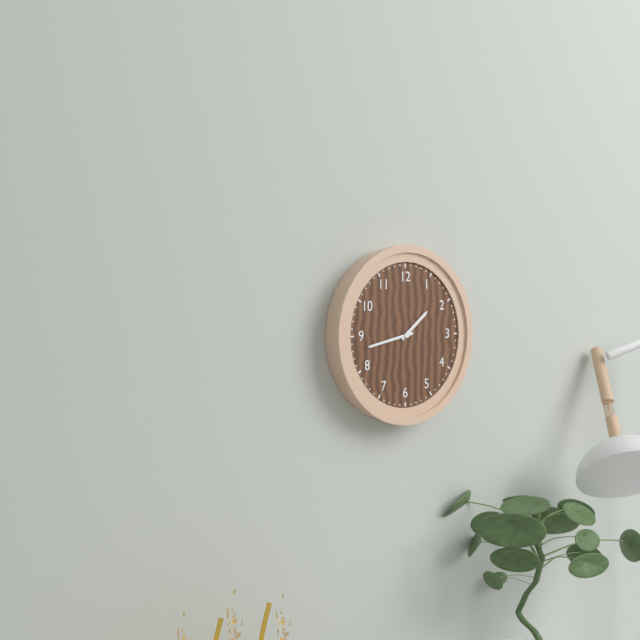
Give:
1h43
